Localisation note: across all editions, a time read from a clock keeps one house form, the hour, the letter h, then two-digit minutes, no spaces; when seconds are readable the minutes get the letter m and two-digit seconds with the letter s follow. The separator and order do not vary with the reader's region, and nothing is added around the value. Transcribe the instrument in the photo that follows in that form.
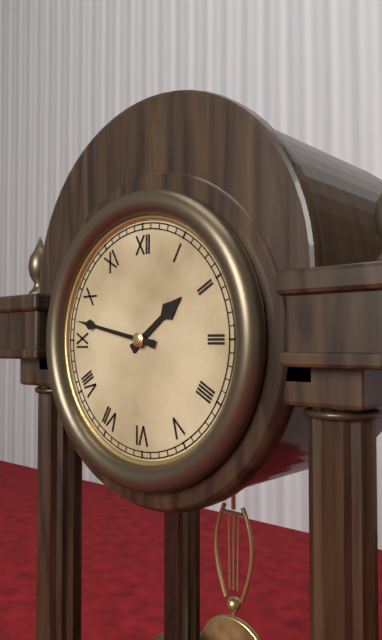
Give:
1h47
